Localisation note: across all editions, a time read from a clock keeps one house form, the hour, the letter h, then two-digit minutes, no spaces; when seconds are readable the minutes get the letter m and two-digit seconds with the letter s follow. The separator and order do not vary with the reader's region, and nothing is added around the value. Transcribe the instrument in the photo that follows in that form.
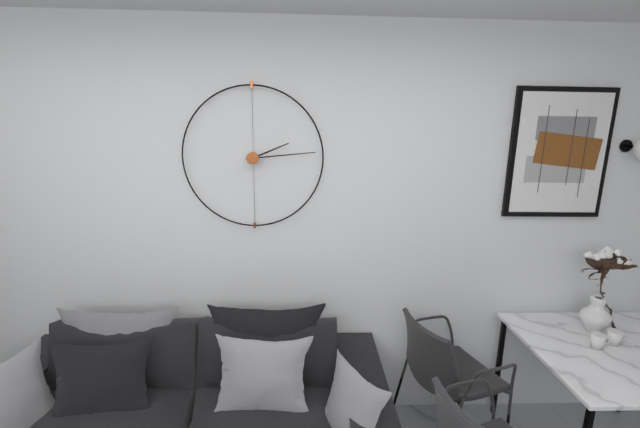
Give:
2h14
